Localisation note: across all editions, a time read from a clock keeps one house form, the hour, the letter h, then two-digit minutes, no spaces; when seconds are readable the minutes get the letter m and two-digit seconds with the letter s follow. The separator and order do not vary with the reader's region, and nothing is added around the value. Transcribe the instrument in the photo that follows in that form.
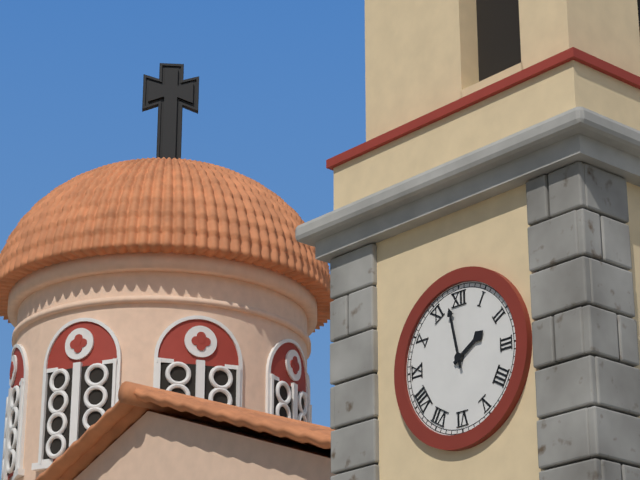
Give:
1h58
